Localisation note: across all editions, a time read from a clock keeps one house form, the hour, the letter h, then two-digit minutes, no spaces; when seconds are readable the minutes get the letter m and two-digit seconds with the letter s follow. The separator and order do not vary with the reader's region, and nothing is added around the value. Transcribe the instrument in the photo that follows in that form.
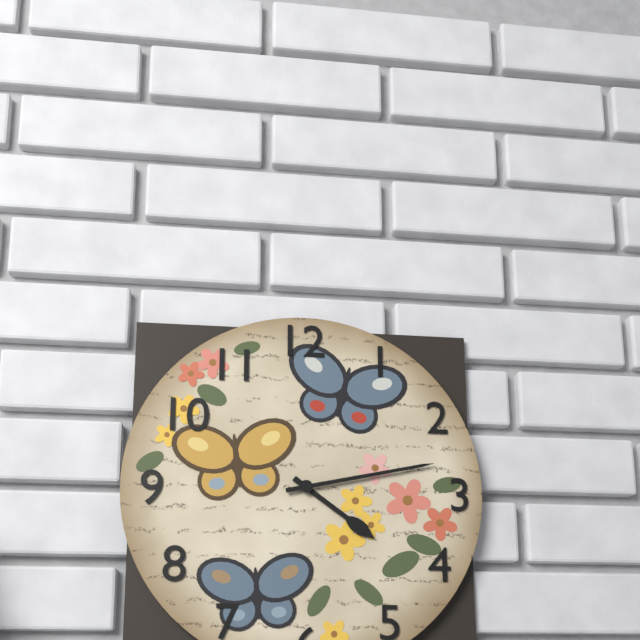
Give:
4h13
